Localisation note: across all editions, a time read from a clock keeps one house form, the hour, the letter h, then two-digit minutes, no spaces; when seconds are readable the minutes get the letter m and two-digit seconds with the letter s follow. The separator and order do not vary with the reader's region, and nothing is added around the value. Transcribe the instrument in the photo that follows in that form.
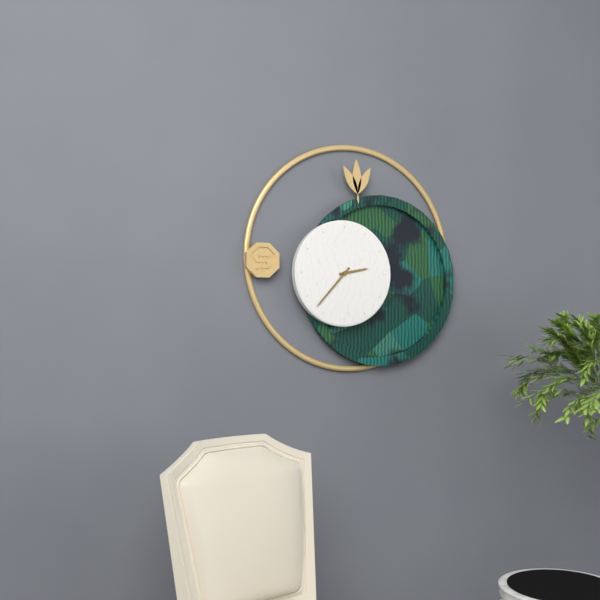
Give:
2h37
